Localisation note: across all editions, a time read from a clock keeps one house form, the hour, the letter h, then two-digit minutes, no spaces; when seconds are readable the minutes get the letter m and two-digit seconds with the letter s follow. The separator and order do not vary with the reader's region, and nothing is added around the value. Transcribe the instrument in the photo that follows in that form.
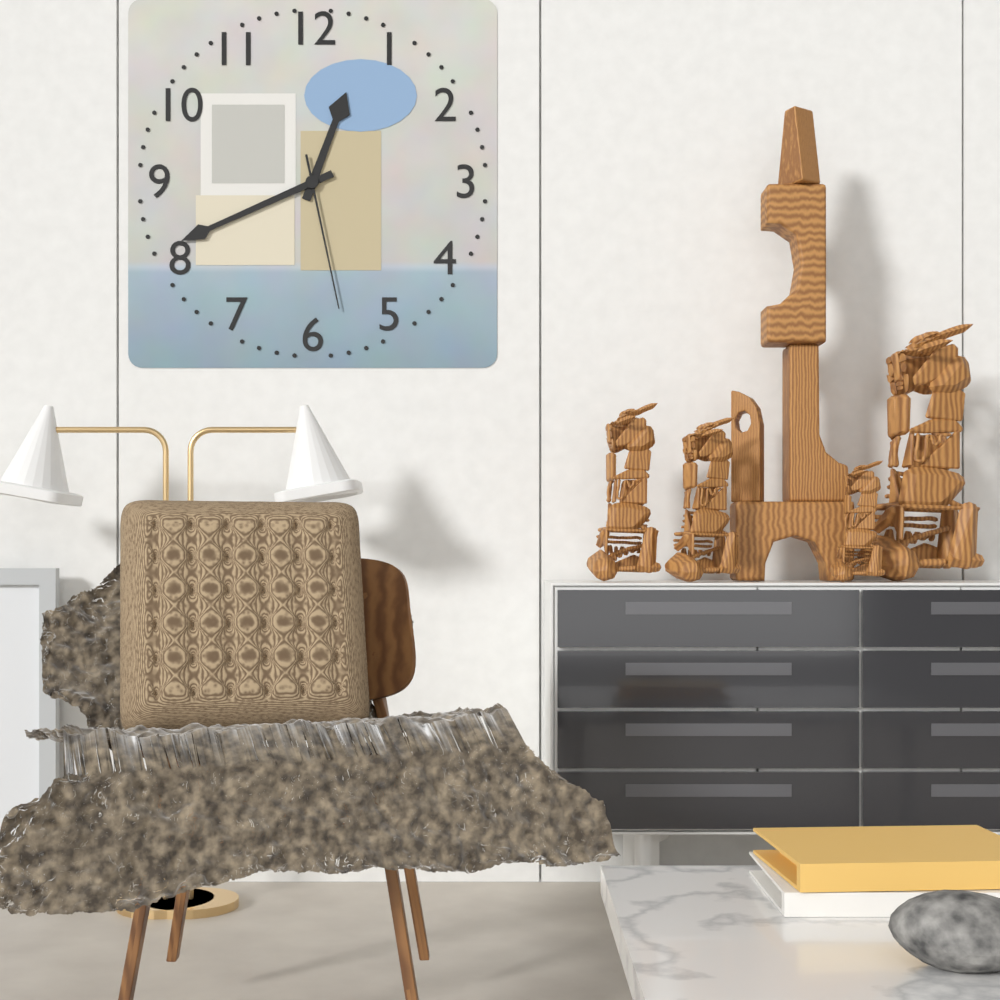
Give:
12h41m28s
